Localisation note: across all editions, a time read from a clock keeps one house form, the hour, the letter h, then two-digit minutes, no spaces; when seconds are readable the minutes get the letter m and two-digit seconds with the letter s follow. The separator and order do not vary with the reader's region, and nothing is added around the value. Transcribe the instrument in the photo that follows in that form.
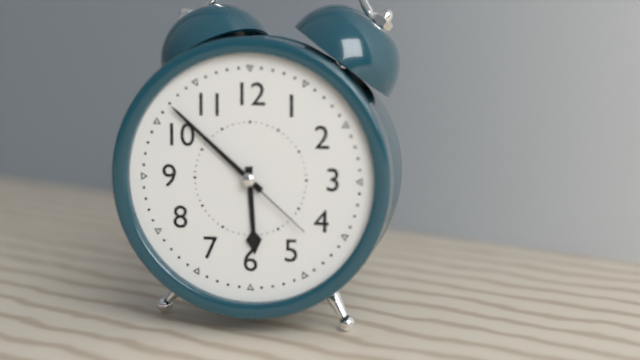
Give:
5h52m22s
